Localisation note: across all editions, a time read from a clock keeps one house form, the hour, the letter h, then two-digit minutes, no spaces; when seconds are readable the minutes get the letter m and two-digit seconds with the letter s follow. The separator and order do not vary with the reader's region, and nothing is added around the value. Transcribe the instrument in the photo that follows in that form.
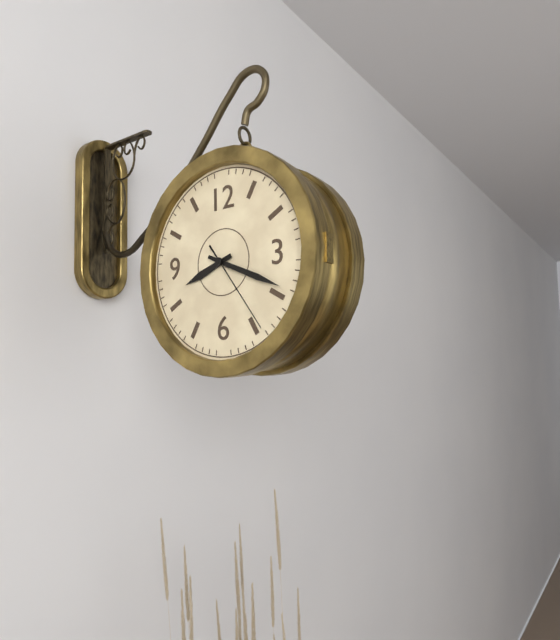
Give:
8h19m24s
